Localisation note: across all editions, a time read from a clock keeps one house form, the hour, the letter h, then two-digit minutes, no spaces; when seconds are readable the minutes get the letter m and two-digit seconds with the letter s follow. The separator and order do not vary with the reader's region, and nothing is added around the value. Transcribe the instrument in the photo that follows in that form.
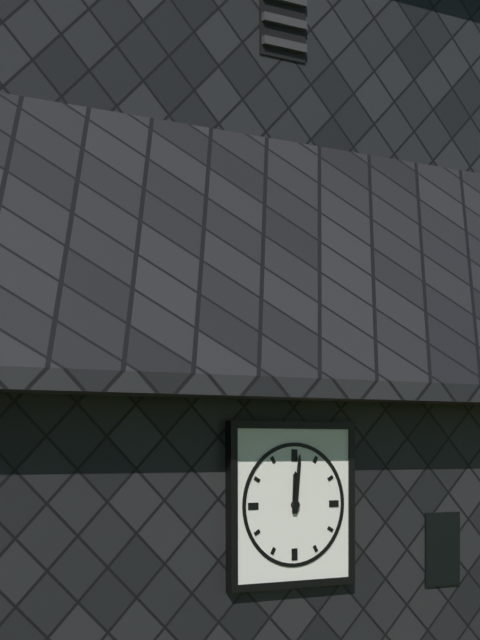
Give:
12h01
